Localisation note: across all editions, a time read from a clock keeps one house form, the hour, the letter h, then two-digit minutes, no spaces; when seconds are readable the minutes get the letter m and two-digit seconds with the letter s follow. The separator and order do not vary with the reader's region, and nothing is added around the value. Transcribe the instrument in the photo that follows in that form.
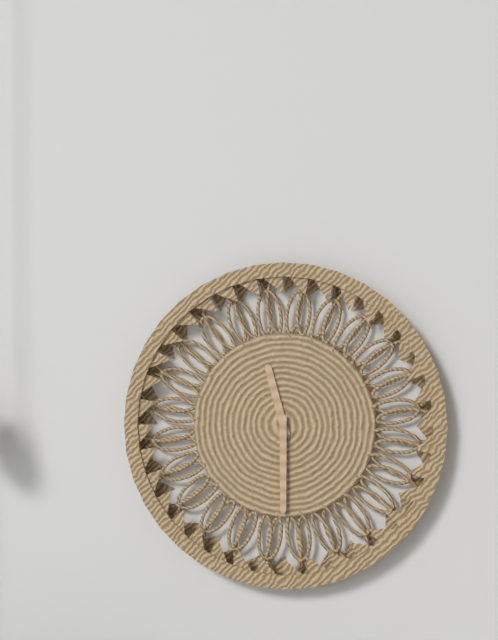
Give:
11h30
